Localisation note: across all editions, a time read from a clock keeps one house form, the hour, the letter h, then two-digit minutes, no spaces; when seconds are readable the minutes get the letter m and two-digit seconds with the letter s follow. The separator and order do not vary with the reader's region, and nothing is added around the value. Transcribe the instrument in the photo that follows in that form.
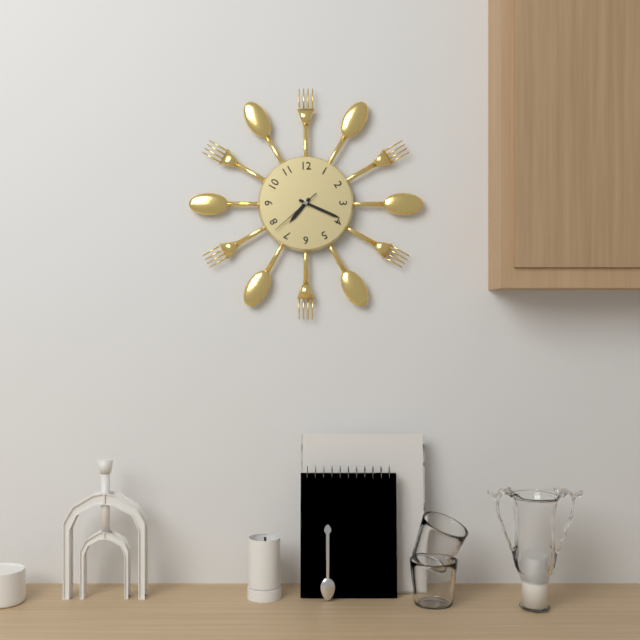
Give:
7h19m38s
